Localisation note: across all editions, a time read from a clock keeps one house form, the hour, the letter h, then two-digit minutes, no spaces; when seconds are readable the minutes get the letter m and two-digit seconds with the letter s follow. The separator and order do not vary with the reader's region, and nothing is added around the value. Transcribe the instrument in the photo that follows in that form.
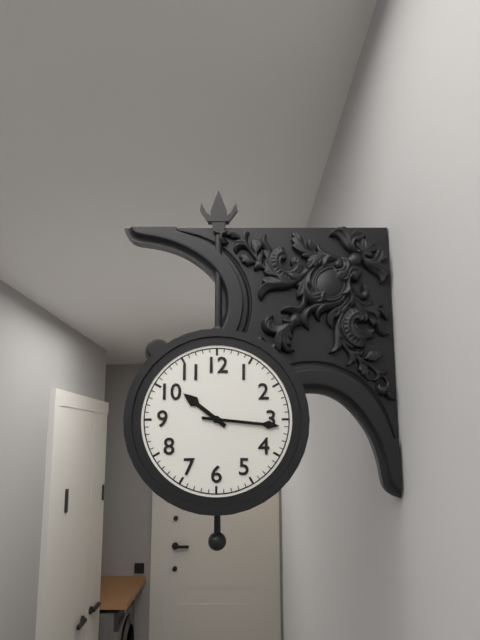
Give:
10h16
